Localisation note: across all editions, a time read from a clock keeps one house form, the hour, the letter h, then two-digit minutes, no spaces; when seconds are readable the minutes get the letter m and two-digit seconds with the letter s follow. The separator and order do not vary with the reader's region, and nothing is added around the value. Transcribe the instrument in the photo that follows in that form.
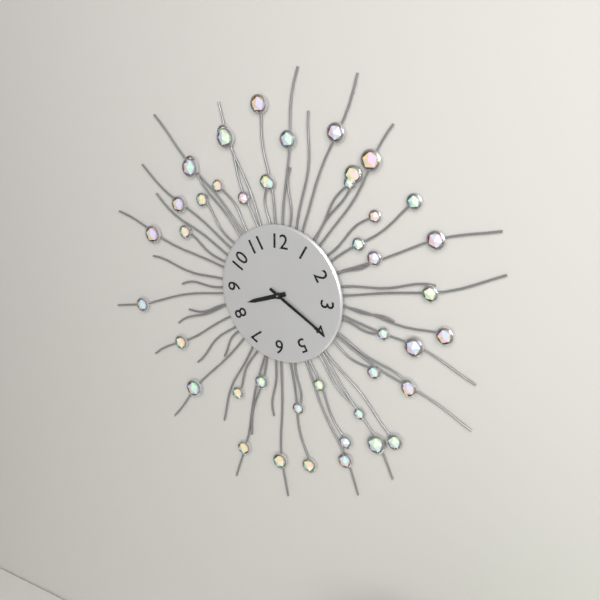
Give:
8h20
